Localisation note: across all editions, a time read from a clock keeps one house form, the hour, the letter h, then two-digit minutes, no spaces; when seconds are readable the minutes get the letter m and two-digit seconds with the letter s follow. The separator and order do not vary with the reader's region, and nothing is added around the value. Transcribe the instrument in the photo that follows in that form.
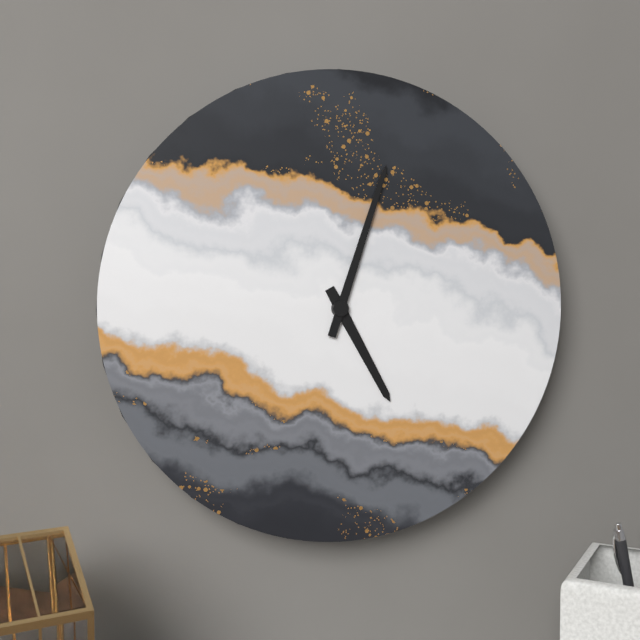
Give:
5h03
